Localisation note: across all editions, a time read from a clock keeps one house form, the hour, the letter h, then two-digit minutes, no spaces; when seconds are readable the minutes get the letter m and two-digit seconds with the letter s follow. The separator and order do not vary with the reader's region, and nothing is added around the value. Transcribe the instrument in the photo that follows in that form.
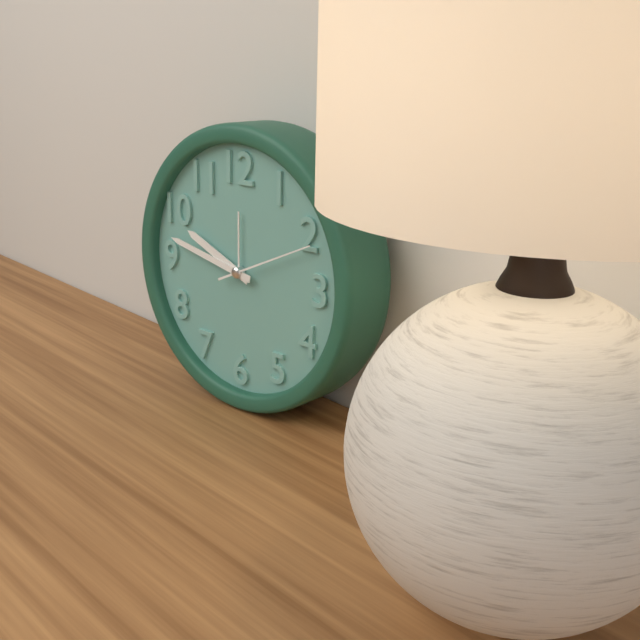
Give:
9h47m11s
